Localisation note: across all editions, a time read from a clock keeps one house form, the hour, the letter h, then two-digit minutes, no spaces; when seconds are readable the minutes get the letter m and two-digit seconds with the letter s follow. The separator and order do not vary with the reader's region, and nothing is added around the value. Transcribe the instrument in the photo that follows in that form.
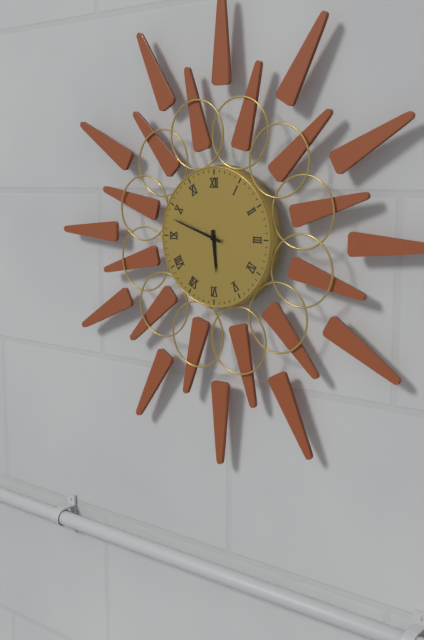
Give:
5h48
